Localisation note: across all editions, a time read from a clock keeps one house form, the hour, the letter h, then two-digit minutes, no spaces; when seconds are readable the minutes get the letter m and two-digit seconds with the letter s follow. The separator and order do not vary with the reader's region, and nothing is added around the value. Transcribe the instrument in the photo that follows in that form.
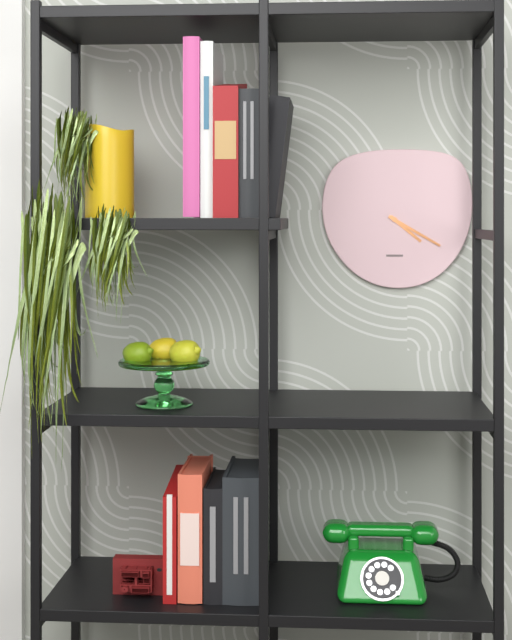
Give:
4h20
